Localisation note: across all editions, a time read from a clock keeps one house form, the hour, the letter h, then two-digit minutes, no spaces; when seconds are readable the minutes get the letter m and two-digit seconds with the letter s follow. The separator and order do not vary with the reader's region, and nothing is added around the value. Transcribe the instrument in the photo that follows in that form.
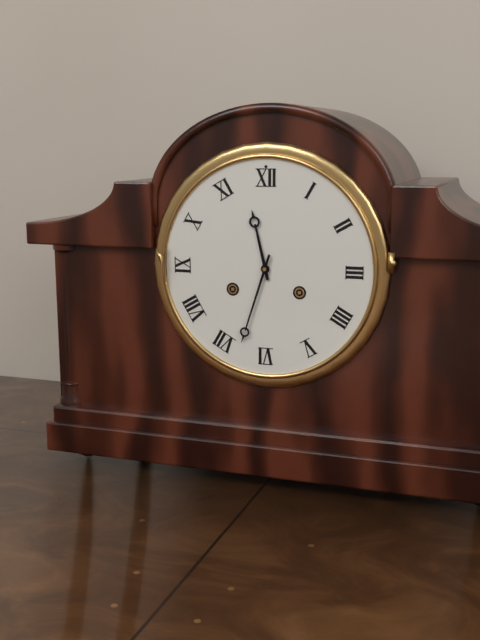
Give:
11h33
